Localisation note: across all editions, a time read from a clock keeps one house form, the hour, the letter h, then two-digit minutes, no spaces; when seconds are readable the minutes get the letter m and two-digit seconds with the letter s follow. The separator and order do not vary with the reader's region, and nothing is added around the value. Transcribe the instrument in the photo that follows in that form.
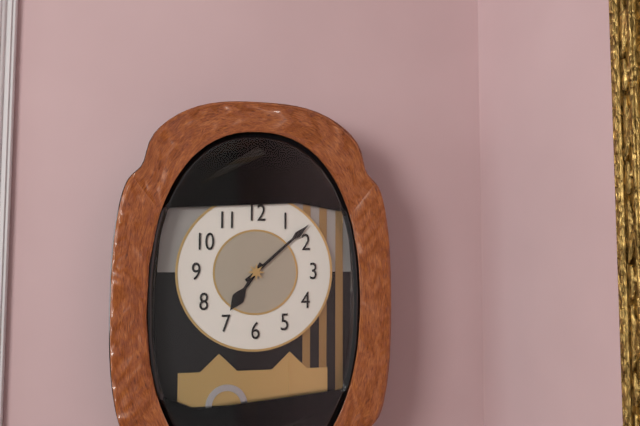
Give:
7h08
